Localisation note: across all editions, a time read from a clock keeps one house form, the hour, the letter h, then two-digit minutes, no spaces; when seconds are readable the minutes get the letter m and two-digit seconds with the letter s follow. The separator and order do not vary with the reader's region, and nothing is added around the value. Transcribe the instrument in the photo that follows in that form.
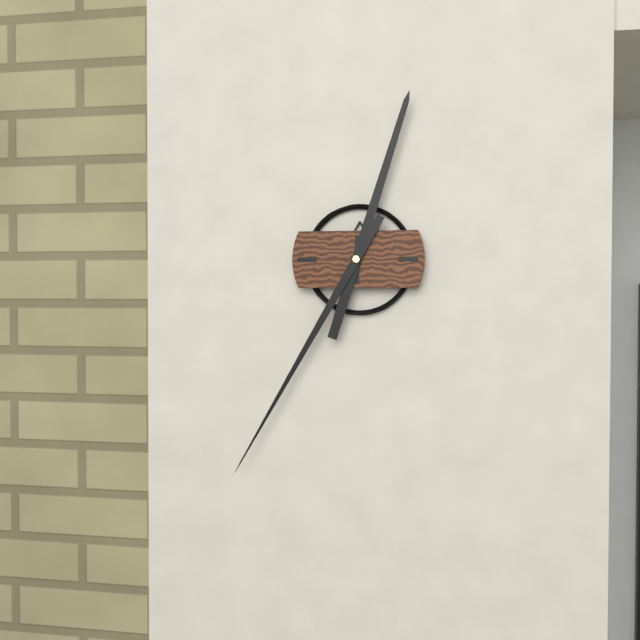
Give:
12h35
